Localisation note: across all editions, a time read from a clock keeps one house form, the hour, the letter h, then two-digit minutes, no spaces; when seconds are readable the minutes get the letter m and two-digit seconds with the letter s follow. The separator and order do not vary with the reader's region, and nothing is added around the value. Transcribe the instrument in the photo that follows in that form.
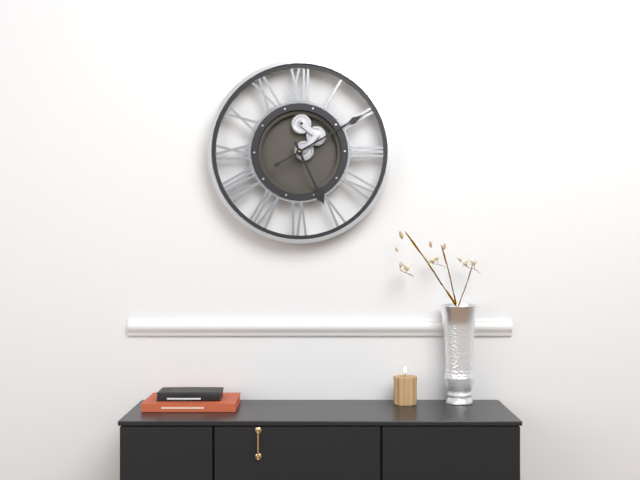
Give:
5h10
